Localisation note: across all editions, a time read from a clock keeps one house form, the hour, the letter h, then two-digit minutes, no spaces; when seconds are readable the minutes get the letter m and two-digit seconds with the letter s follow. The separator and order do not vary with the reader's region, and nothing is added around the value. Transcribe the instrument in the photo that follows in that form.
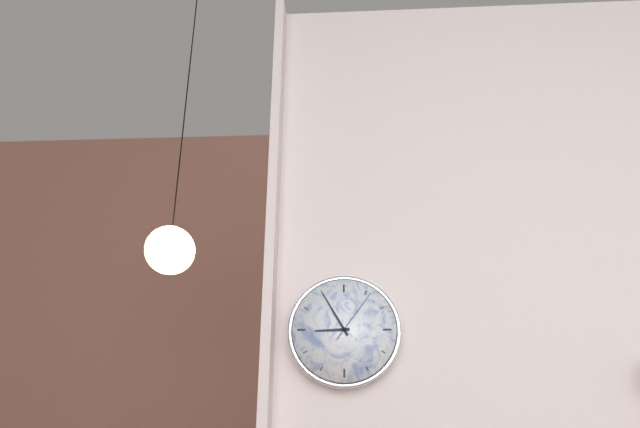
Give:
8h55m06s
